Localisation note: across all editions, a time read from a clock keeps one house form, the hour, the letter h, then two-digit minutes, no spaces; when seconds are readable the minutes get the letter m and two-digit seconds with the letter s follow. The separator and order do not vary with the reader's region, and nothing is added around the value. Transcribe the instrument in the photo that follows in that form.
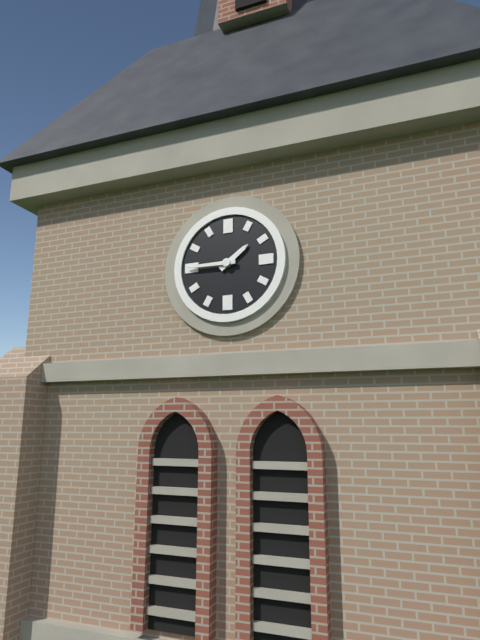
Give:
1h45
